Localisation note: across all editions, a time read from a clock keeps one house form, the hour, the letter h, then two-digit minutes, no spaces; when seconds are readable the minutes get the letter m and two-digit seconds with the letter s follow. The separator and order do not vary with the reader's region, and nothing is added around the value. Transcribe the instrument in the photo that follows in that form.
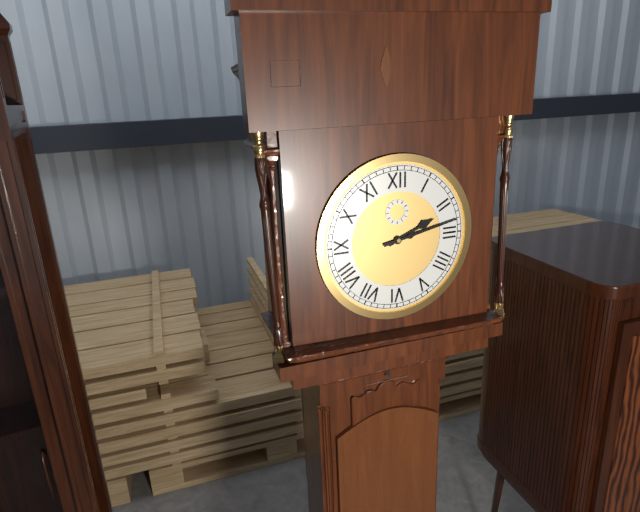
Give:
2h13
